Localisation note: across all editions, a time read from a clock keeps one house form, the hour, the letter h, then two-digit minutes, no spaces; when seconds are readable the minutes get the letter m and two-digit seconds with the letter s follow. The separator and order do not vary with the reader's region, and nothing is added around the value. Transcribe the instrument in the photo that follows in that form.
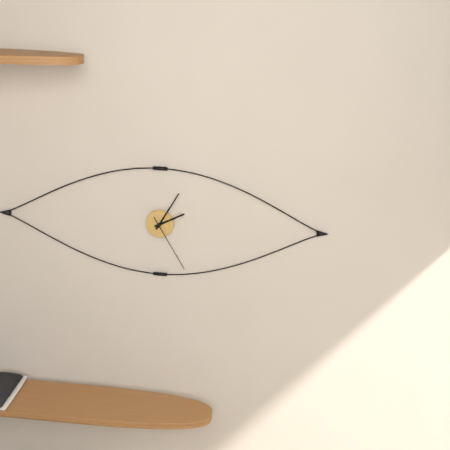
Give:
2h05m25s
